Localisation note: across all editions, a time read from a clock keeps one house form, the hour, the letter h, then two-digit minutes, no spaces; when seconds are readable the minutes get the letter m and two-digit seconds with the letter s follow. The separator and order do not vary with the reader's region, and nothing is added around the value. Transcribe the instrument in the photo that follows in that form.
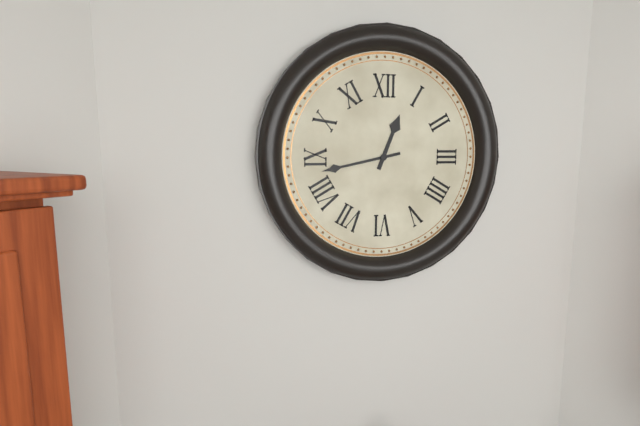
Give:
12h43
